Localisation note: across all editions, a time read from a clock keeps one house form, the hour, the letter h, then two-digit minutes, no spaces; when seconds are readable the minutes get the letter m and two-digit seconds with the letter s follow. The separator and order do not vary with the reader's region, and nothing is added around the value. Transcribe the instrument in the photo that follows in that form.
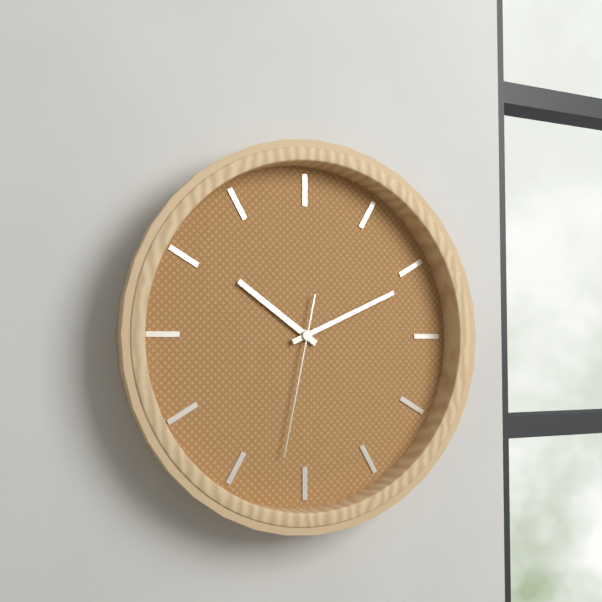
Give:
10h11m32s
